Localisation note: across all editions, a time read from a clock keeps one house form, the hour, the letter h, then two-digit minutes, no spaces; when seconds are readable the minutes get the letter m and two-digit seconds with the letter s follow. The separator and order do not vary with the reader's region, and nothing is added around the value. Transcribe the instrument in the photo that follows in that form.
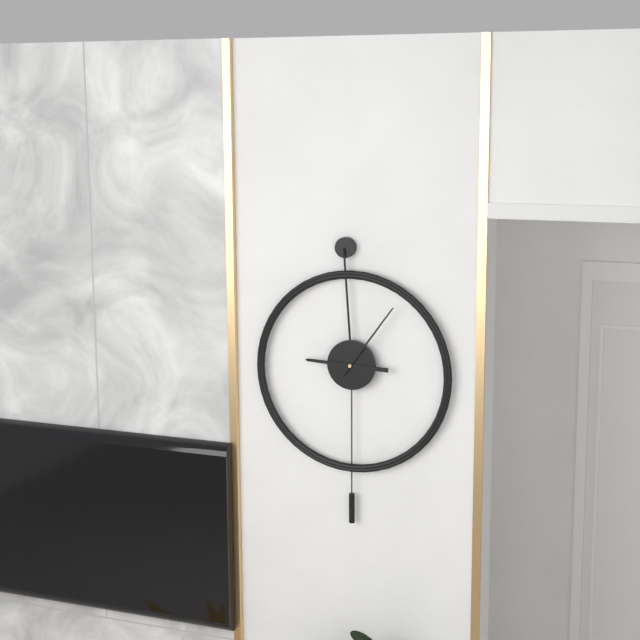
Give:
9h06
